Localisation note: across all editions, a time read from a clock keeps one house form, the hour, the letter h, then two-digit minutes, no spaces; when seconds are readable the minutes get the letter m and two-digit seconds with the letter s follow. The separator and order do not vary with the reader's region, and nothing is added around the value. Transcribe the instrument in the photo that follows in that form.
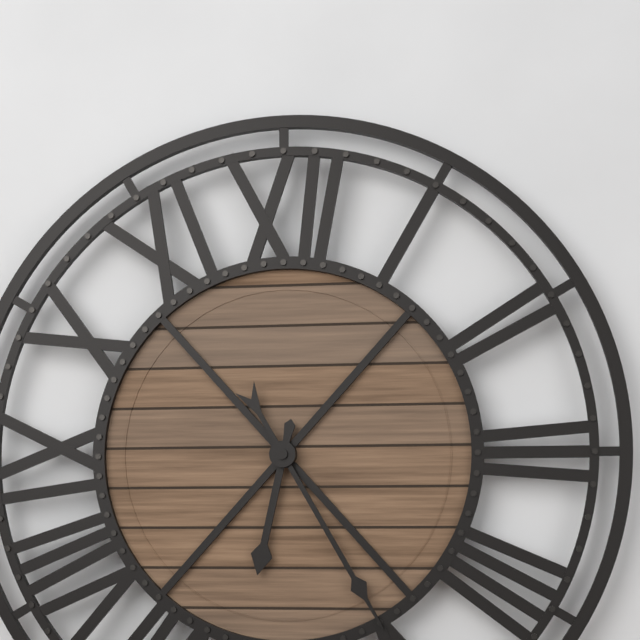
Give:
6h25
